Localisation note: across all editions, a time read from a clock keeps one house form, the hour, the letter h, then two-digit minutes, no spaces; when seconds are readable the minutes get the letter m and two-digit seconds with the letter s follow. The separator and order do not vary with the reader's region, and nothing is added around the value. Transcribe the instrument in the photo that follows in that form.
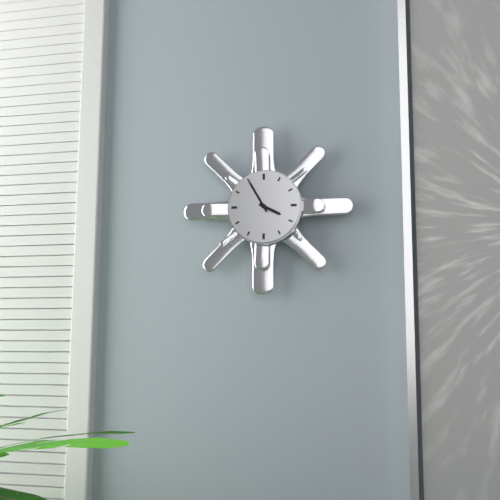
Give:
3h55
